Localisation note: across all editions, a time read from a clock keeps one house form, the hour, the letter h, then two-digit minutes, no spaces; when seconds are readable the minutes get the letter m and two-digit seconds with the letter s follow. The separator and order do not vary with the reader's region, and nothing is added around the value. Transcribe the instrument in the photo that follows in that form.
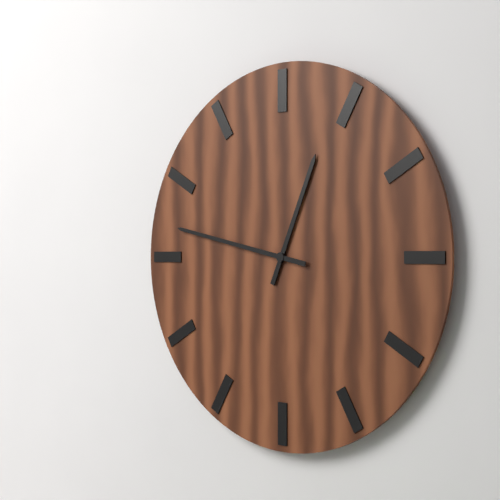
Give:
12h47
